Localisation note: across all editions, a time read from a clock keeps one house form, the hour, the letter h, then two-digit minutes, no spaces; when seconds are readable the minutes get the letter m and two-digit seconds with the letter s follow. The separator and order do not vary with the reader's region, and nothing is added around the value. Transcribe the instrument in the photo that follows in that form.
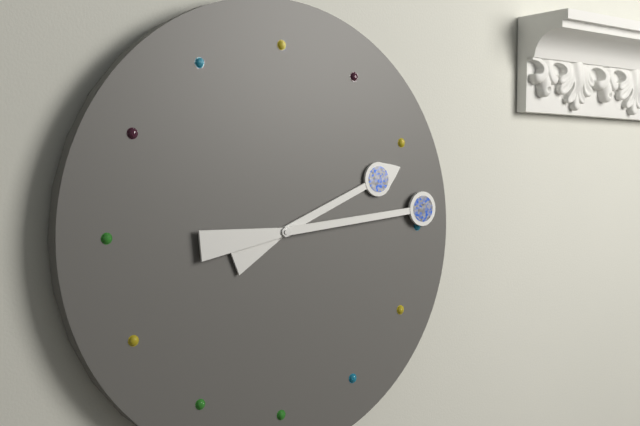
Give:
2h14
